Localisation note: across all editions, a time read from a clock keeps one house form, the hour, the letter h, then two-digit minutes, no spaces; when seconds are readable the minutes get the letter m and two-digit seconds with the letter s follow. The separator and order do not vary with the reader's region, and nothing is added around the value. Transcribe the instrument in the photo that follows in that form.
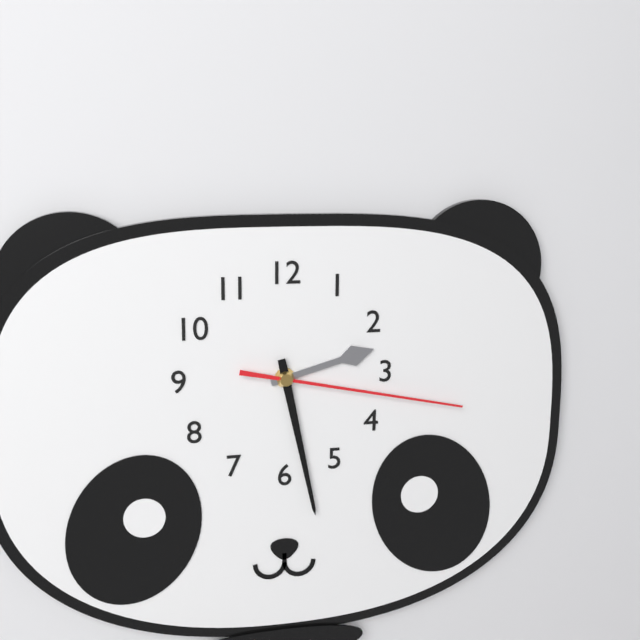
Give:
2h28m17s
